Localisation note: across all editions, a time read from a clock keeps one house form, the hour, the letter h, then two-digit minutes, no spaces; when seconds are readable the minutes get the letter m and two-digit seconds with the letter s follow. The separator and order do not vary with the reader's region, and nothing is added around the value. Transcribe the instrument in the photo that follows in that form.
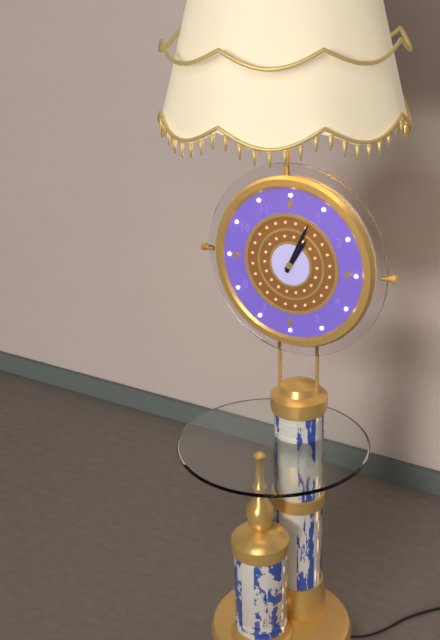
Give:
1h04
